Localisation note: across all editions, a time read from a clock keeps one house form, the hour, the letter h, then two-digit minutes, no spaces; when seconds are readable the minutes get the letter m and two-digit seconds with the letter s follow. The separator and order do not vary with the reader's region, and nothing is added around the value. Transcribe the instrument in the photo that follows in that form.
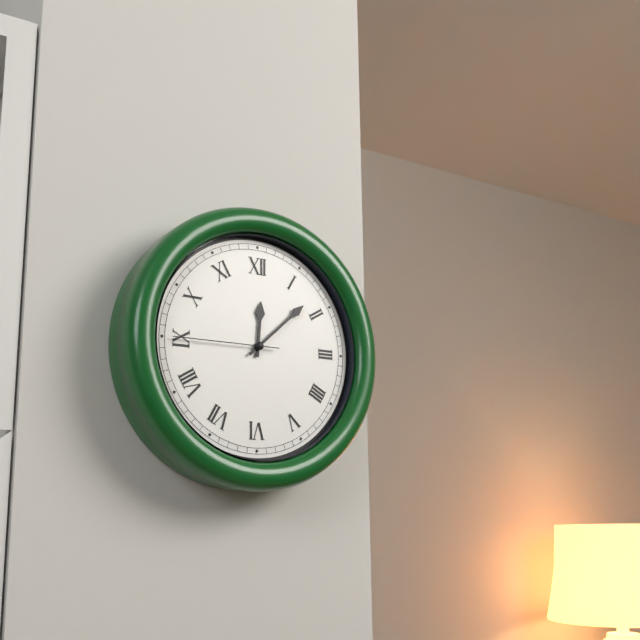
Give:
12h08m45s
